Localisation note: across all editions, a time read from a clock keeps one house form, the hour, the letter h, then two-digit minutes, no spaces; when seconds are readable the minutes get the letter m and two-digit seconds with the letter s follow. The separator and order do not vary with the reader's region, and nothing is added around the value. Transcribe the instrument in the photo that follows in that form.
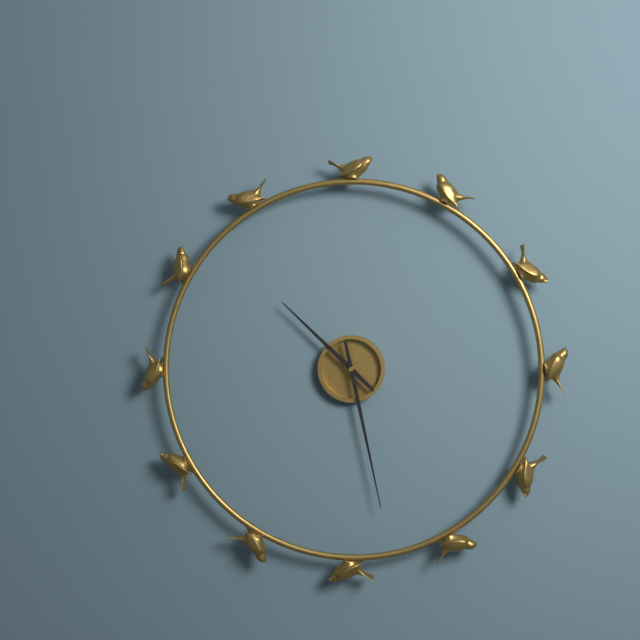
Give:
10h28
